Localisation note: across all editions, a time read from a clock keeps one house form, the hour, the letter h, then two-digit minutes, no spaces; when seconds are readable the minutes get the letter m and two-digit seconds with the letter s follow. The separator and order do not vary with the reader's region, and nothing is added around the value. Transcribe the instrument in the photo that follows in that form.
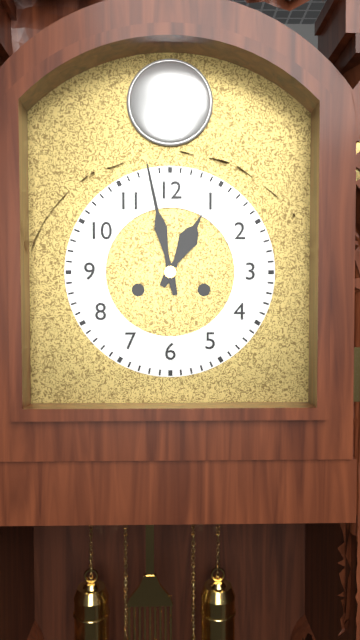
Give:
12h58
